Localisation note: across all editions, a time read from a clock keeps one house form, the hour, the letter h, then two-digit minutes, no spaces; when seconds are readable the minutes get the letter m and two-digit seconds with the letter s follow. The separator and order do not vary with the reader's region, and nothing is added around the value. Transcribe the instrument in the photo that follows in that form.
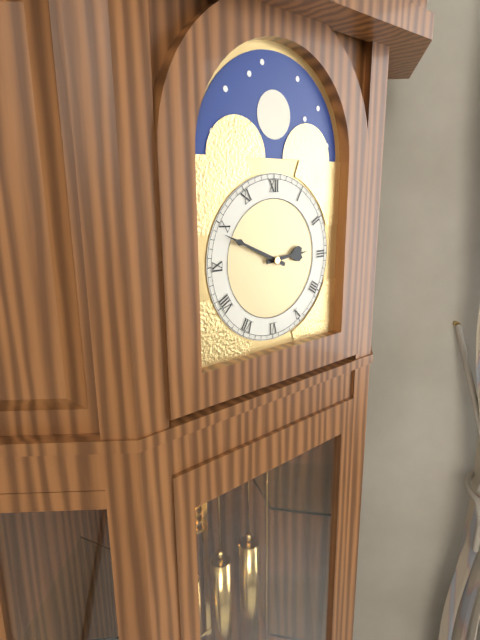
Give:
2h49
